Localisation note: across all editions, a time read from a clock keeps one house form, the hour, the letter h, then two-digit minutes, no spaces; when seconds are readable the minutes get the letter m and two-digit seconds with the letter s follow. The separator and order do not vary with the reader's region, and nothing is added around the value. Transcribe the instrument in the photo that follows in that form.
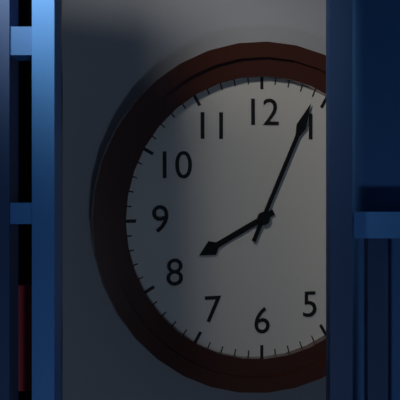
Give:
8h04
